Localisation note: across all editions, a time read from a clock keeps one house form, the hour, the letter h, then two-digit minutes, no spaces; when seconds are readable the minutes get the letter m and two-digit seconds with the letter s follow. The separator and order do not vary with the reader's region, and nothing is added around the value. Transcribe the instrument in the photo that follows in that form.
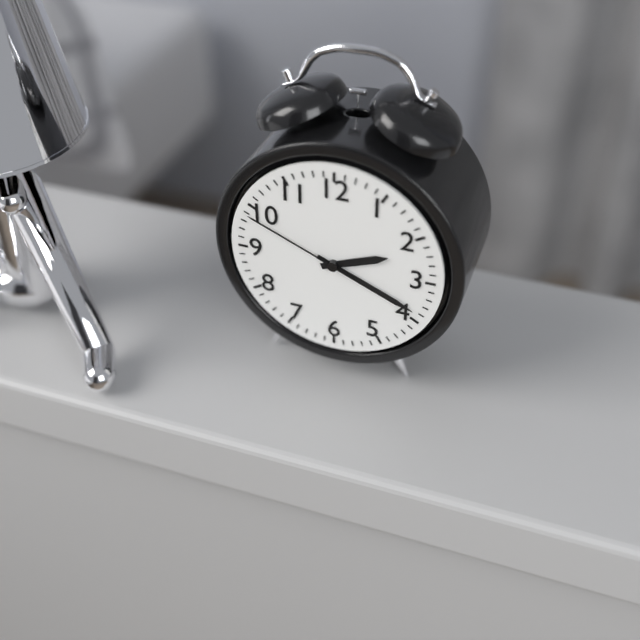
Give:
2h19m49s
